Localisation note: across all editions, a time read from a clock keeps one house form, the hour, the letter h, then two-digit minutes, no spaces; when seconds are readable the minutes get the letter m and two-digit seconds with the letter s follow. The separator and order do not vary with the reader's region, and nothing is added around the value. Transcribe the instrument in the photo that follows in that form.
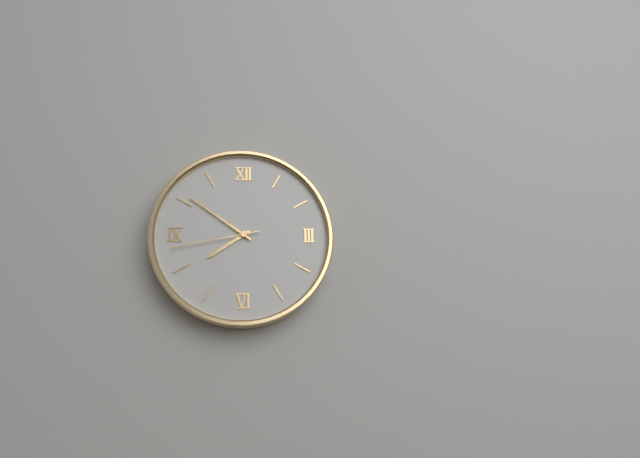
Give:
7h51m43s
